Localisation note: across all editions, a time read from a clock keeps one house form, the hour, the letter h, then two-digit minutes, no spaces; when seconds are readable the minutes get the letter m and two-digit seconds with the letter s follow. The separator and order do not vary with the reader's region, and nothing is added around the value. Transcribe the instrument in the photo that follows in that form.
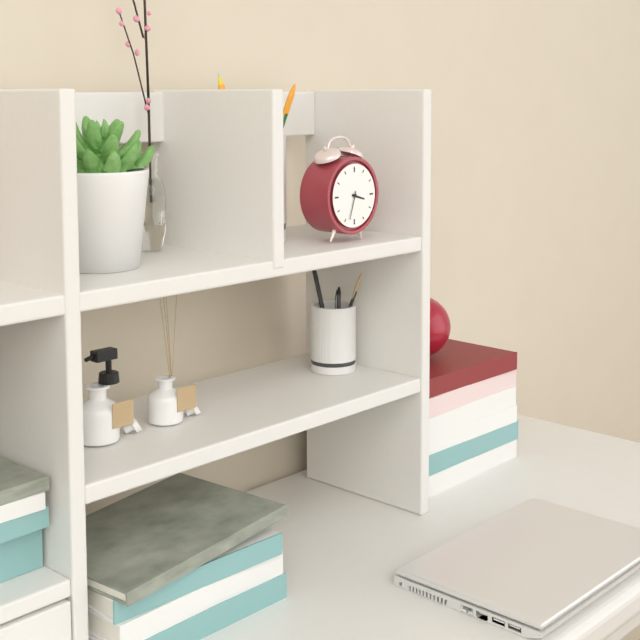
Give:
3h33
